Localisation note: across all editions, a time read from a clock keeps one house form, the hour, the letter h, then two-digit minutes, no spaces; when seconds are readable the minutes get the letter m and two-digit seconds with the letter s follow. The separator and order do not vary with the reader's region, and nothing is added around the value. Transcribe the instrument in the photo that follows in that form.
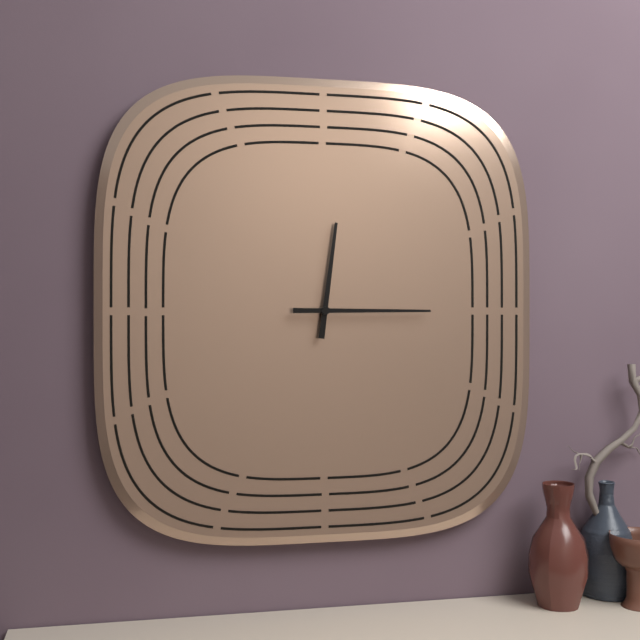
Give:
12h15
